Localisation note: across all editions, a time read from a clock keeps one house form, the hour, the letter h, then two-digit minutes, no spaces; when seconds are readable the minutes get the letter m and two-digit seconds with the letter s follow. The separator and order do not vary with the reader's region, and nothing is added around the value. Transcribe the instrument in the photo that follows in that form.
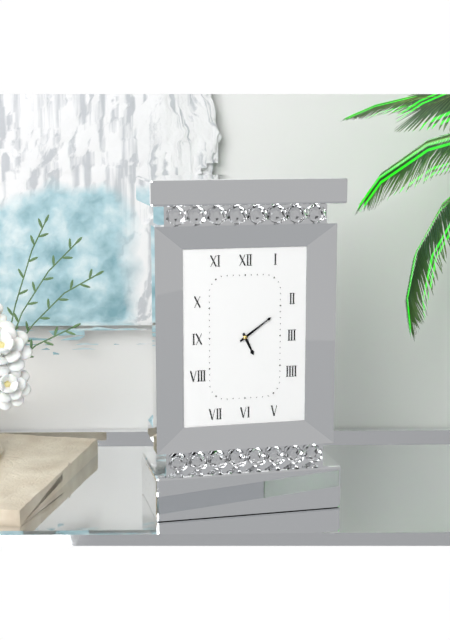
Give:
5h09
